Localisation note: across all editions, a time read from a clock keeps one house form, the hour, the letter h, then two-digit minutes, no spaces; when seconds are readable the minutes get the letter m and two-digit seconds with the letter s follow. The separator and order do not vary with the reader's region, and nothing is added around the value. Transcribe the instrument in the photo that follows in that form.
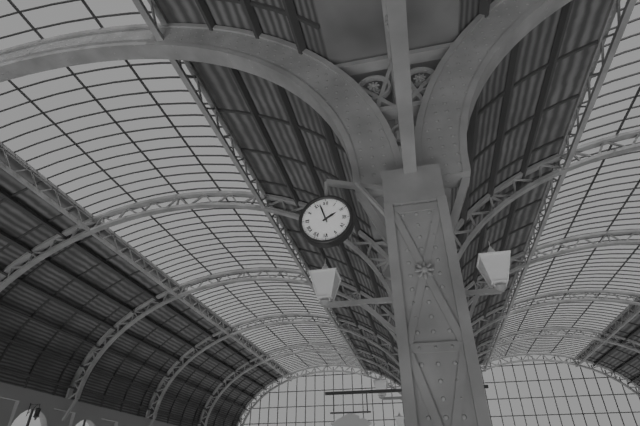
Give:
1h57
